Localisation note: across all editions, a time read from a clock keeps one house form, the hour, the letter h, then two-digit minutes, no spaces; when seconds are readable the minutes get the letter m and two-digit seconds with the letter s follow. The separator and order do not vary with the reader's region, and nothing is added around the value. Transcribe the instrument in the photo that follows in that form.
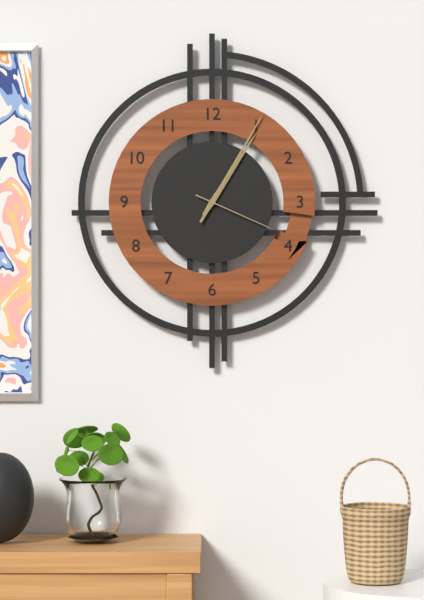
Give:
1h05m19s
